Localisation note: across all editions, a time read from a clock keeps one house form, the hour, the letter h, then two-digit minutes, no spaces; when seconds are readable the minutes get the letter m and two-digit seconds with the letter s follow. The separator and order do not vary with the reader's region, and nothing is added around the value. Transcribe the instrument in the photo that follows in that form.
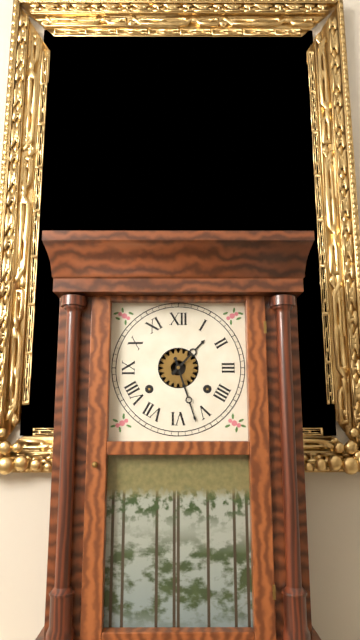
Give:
1h27
